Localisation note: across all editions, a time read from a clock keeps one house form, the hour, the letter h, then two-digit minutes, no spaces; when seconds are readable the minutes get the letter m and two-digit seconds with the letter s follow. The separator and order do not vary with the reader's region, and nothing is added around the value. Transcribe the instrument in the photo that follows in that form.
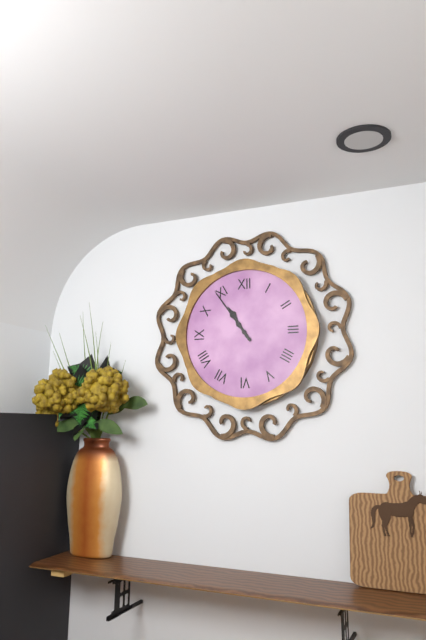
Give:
10h54
